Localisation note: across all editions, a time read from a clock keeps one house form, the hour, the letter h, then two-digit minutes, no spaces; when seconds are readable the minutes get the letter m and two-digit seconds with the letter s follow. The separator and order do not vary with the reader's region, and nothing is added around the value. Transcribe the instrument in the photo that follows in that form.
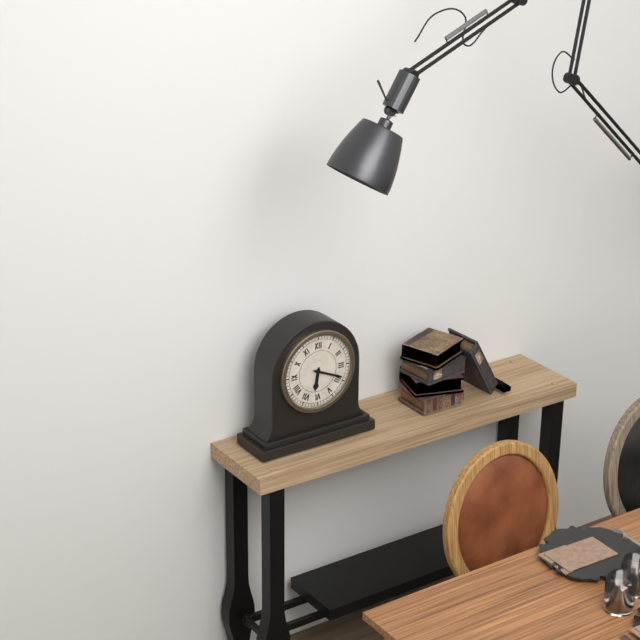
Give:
6h19
